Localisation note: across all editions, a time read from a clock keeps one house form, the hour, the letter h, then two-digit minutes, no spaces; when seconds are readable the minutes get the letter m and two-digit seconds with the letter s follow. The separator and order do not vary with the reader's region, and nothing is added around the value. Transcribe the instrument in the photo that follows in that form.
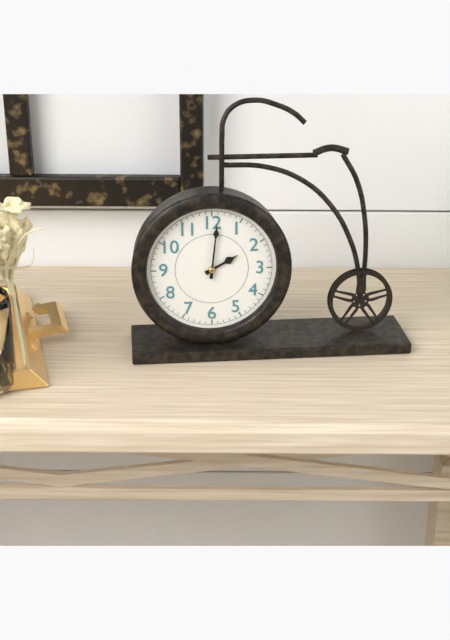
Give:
2h01
